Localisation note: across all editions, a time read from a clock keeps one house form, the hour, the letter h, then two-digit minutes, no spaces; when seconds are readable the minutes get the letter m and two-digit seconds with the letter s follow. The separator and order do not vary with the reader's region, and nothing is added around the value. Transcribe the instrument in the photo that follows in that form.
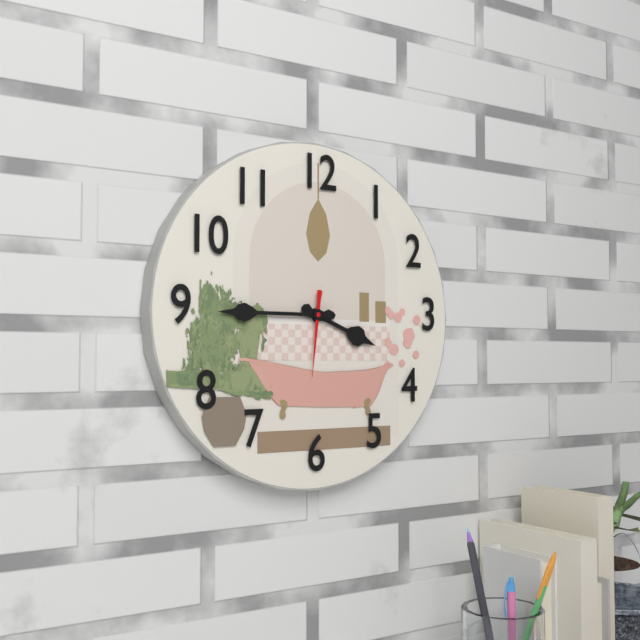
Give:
3h45m31s
